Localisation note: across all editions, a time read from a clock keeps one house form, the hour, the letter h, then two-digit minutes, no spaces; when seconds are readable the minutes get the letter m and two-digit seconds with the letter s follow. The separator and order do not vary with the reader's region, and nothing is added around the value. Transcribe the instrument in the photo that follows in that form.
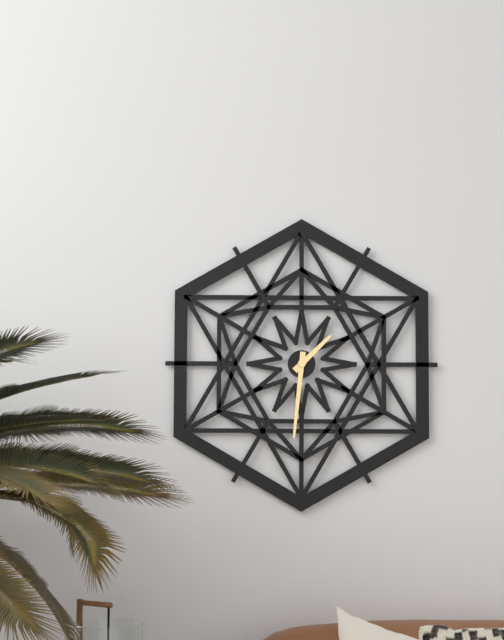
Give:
1h31
